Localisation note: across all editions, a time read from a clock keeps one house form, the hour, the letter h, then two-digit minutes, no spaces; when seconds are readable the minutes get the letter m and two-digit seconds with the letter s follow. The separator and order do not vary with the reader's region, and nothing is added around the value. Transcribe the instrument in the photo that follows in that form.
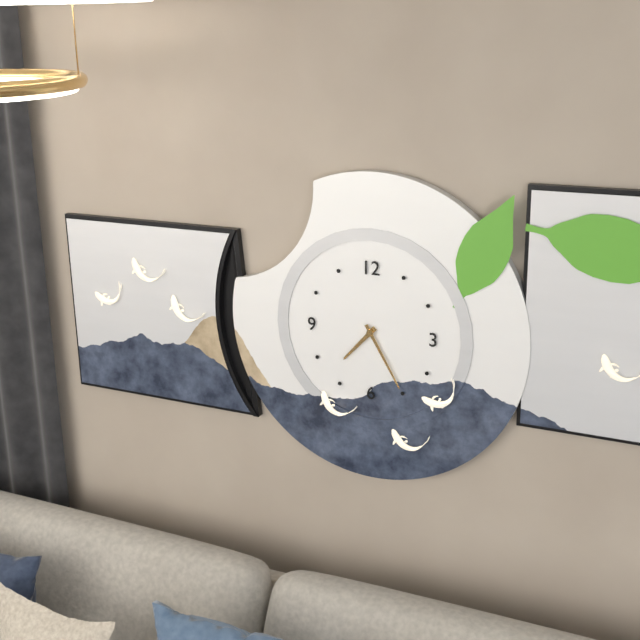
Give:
7h25
